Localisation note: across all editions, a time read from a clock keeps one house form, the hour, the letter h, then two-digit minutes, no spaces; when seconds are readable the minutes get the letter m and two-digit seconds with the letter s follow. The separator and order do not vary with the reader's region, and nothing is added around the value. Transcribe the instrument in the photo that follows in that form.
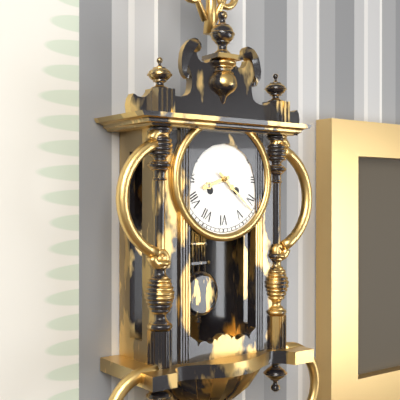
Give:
8h22
